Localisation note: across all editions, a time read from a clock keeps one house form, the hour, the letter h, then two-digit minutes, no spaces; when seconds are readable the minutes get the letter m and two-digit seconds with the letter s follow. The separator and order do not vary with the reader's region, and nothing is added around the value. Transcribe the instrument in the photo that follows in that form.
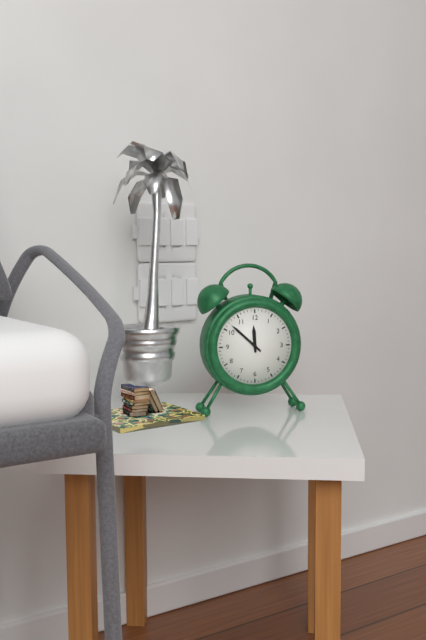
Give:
11h52
